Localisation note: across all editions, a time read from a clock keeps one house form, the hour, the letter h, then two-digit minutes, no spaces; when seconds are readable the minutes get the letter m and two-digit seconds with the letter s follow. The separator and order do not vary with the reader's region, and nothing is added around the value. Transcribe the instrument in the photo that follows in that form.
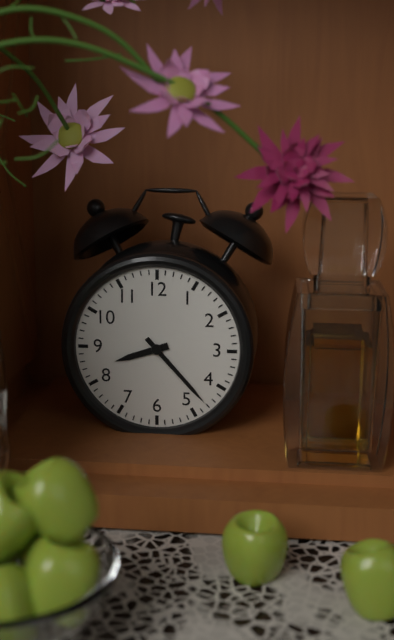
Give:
8h23
